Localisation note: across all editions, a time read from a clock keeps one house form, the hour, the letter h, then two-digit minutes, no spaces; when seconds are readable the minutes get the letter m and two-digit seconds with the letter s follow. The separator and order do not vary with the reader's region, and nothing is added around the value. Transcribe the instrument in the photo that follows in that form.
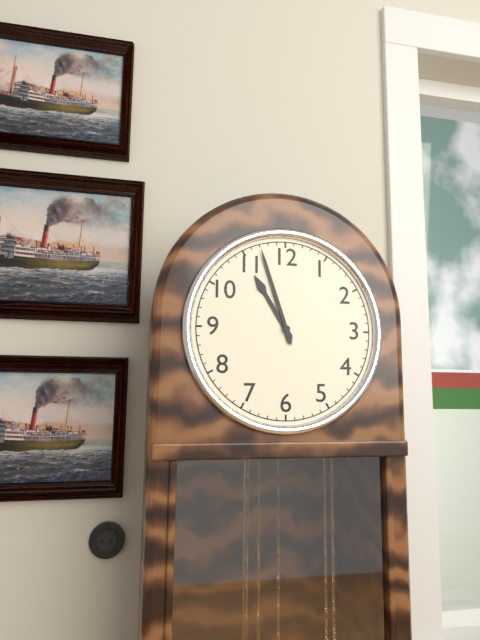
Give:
10h57
